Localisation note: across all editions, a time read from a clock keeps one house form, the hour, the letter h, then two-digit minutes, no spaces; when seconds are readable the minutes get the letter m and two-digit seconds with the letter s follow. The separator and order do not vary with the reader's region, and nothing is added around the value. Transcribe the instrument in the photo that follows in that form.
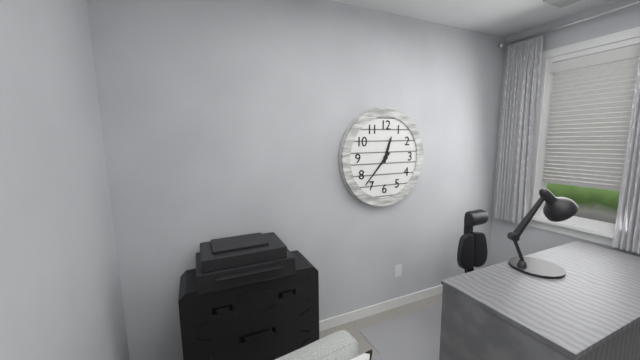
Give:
12h37
